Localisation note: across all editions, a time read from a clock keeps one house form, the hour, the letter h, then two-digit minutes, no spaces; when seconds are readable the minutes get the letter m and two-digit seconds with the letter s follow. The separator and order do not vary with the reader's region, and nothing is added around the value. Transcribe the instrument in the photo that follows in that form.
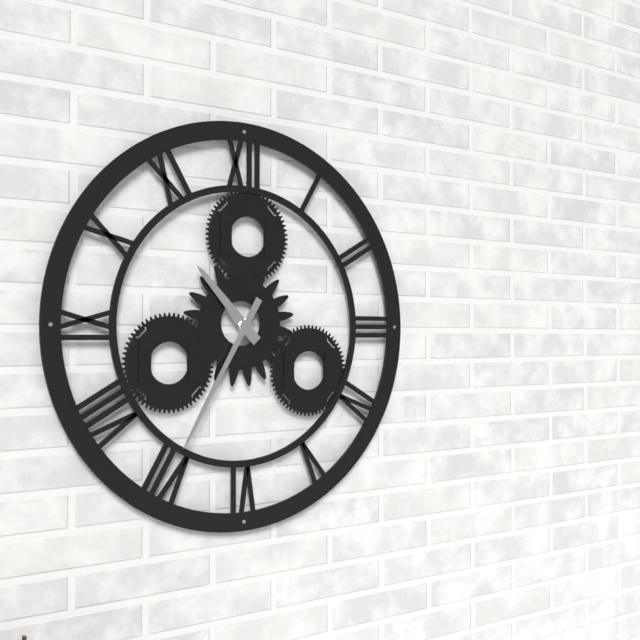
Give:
10h35
